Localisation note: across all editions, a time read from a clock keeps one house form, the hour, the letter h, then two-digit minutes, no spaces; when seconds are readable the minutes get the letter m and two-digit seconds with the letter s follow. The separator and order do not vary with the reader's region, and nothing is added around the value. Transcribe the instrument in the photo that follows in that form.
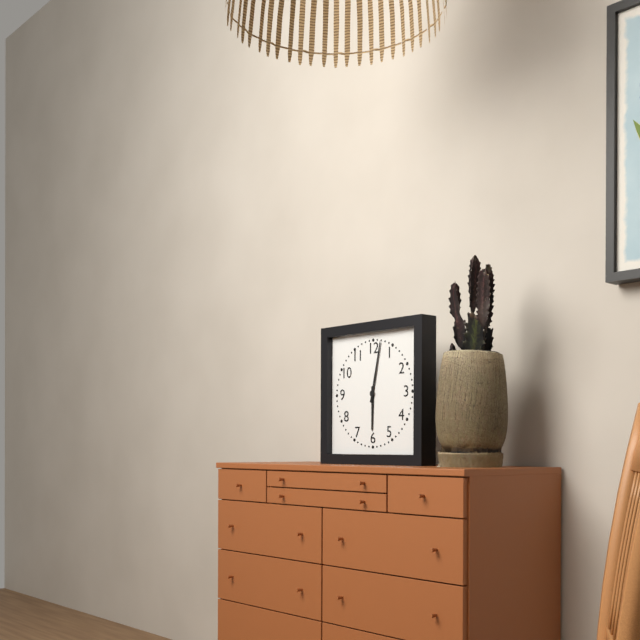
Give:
6h02
